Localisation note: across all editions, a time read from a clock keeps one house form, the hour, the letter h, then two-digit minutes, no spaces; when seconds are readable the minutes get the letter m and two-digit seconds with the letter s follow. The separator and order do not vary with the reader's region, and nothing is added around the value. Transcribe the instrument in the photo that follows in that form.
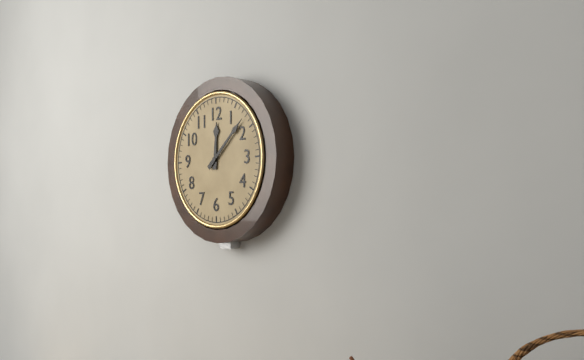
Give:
12h08
